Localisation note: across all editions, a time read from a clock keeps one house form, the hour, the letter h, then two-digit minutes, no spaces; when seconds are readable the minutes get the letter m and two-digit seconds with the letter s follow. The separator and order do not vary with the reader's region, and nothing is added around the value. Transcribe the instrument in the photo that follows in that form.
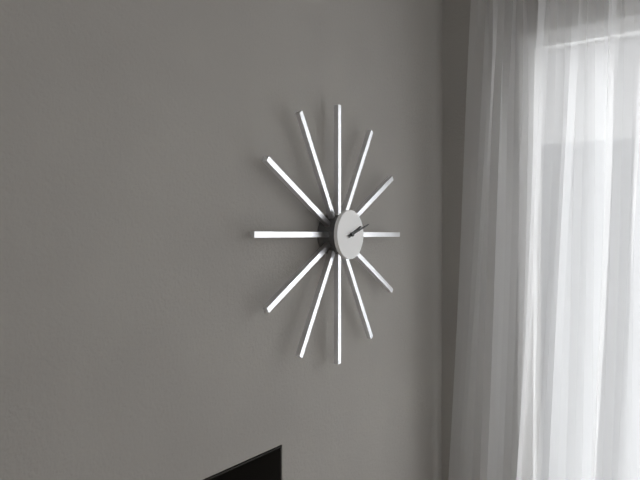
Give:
2h12
